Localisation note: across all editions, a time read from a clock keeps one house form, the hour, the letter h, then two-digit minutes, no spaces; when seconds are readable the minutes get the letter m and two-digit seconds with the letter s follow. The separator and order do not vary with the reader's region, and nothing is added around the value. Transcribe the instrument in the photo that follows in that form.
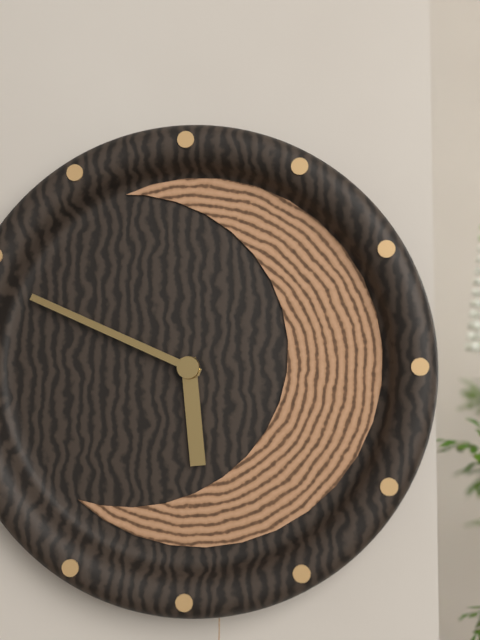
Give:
5h49
